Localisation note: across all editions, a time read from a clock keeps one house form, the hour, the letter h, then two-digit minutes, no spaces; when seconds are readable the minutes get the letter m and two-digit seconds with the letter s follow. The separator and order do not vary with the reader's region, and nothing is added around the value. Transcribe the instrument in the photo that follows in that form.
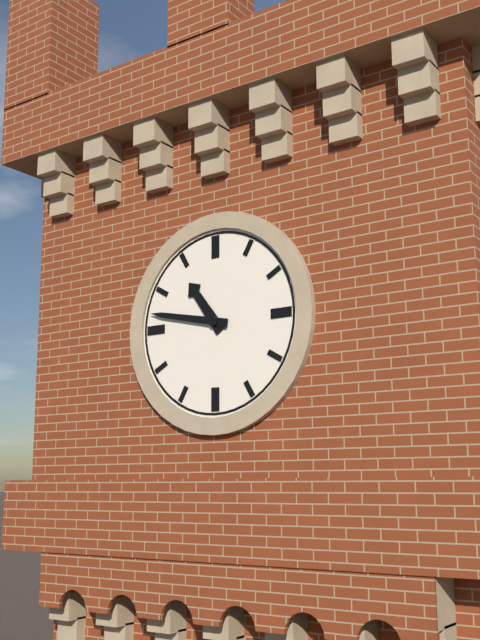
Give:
10h47
